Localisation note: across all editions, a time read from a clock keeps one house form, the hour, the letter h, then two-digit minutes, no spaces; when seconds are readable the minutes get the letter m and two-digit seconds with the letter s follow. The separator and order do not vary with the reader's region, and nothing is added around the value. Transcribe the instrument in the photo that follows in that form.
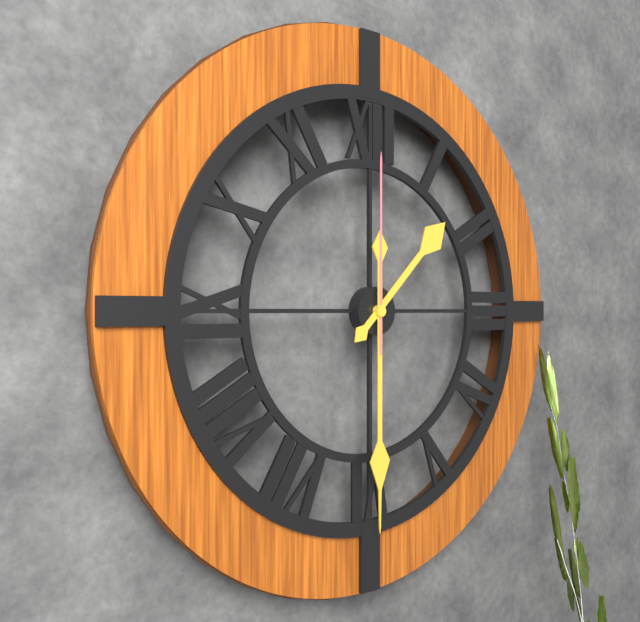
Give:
1h30m00s
